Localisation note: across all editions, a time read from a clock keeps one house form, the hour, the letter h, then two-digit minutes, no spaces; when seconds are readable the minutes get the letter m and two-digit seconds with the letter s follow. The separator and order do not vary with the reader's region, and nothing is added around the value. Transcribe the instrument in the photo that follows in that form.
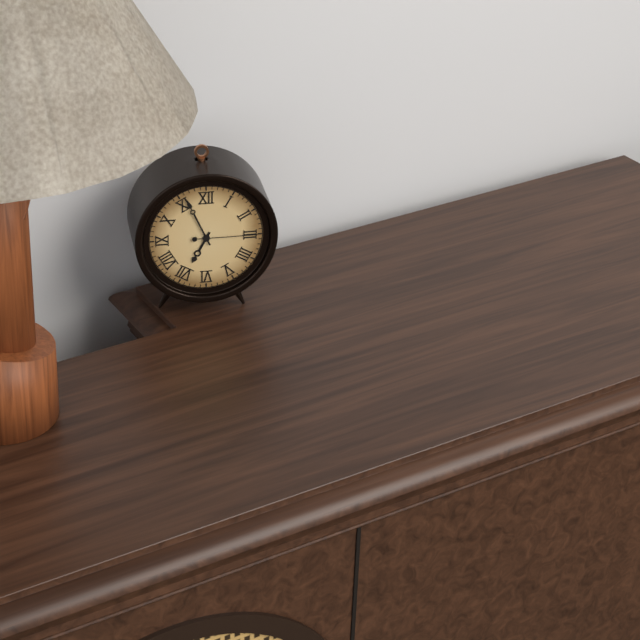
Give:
6h56m15s
